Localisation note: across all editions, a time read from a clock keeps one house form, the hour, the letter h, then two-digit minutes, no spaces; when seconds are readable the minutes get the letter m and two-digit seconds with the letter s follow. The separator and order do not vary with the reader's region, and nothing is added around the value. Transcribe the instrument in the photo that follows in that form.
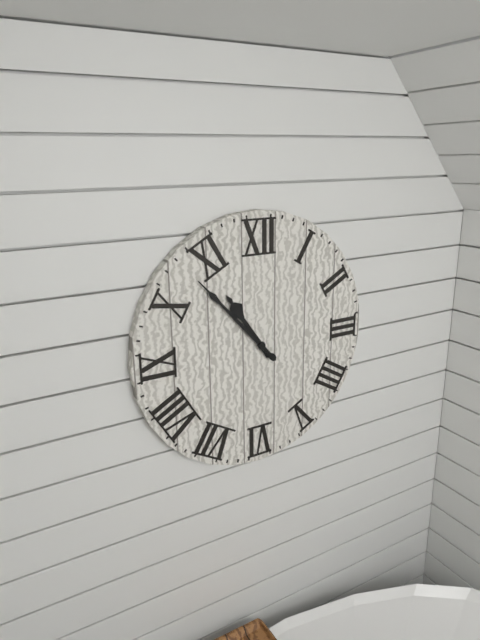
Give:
10h53
